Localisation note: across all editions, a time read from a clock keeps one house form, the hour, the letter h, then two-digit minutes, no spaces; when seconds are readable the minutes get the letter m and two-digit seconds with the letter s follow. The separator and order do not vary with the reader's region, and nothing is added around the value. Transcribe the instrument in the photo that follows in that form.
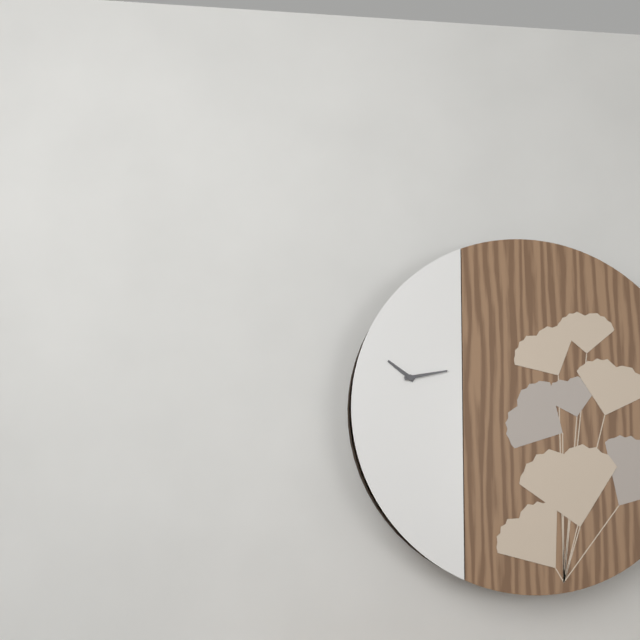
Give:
10h13
